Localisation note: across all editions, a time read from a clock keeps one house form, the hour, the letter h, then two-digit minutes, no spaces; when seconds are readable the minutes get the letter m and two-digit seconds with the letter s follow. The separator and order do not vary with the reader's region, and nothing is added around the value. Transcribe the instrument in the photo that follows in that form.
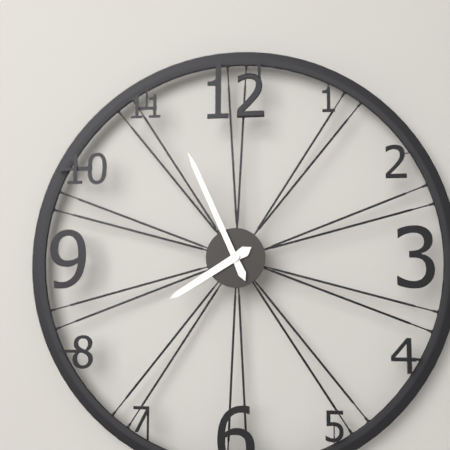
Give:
7h56
